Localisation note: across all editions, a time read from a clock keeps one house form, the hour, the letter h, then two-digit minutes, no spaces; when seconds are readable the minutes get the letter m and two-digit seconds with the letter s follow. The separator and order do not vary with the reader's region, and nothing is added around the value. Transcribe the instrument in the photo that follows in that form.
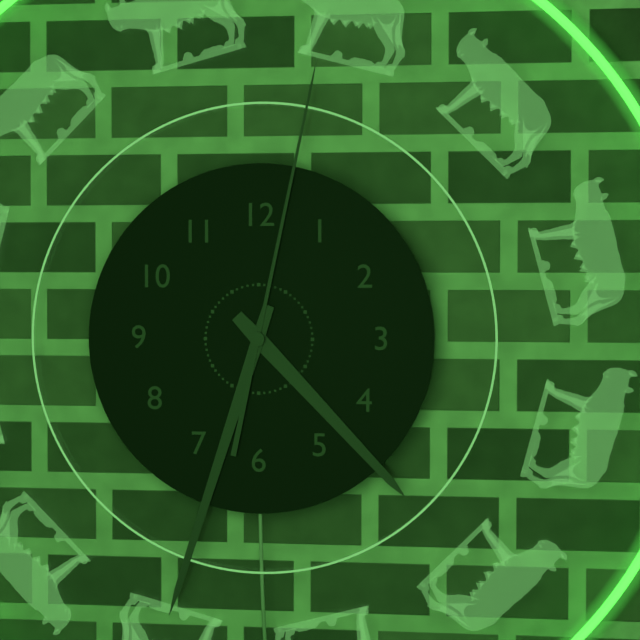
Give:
4h33m02s
